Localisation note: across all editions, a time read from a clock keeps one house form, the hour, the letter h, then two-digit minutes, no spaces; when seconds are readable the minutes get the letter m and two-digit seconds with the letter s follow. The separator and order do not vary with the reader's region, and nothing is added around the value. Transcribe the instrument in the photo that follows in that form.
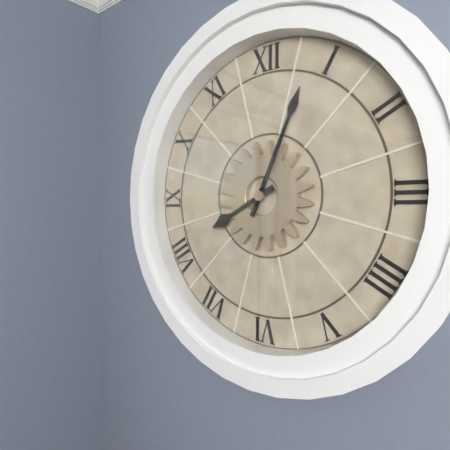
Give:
8h04
